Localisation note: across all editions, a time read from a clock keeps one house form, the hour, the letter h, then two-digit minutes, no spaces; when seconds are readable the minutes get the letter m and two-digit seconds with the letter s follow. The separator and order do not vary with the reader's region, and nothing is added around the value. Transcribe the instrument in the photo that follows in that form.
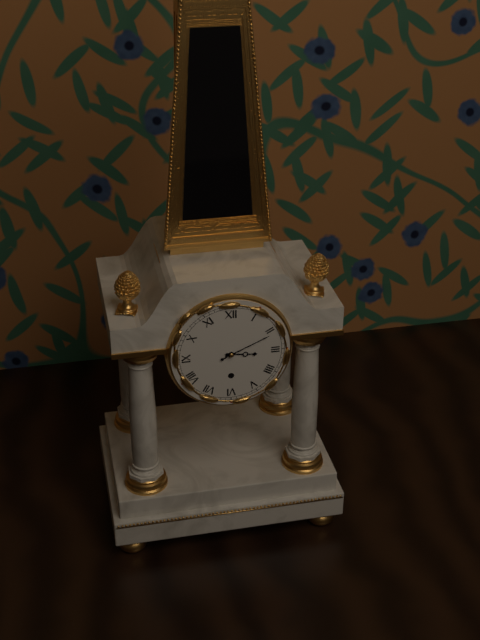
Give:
3h11
